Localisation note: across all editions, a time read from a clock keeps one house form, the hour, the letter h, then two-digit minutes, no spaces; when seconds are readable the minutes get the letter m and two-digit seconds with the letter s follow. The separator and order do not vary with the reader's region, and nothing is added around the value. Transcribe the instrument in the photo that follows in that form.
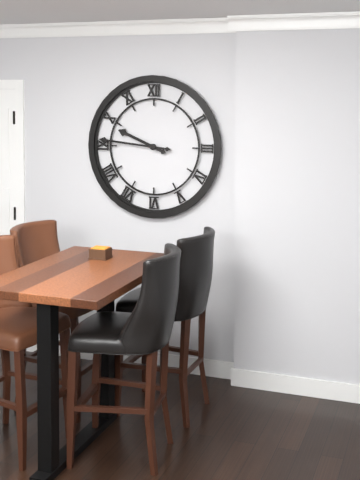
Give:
9h46
